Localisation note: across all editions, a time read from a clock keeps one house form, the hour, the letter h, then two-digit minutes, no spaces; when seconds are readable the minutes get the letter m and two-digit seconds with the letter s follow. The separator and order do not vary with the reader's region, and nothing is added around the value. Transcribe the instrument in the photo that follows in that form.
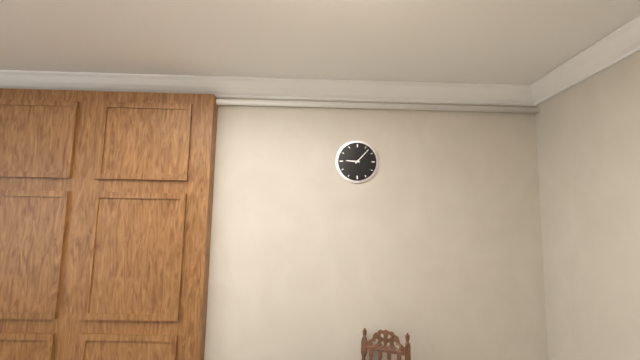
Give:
9h07
